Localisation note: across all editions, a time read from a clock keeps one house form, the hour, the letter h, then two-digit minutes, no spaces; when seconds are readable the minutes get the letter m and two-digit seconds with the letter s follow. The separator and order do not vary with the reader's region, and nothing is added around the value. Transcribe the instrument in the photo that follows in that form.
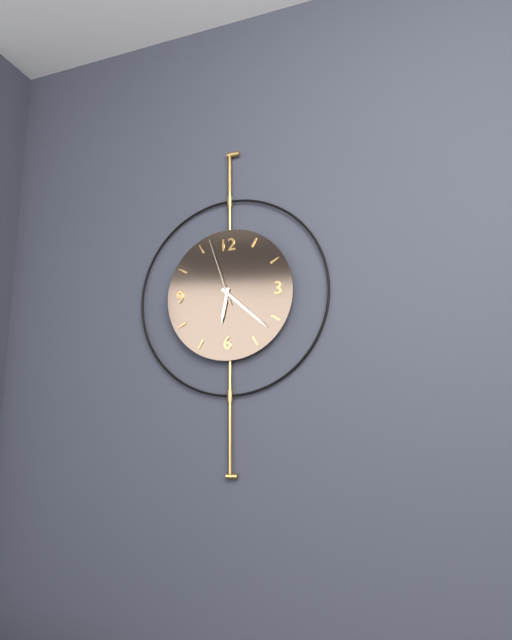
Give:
6h22m57s
